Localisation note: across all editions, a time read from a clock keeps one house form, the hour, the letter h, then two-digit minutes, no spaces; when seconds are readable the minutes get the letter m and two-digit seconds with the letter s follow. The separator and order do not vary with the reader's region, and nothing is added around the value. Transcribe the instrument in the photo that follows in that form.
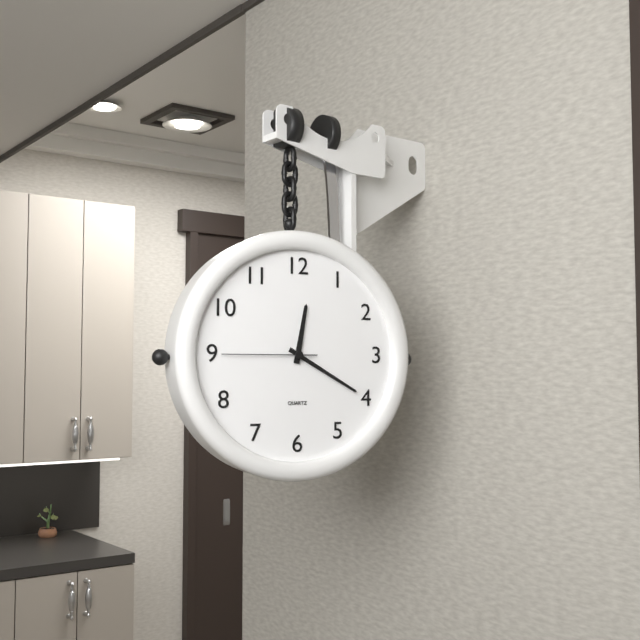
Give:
12h20m45s
